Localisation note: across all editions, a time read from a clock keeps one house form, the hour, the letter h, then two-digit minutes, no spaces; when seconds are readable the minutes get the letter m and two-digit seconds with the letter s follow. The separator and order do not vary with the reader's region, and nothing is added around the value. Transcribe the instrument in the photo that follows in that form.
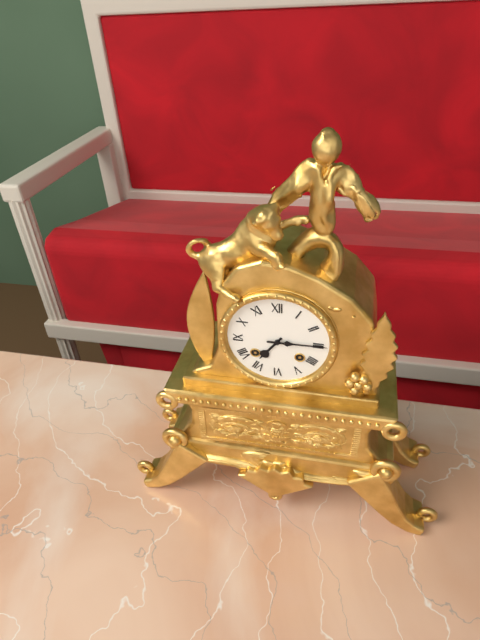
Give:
7h15
